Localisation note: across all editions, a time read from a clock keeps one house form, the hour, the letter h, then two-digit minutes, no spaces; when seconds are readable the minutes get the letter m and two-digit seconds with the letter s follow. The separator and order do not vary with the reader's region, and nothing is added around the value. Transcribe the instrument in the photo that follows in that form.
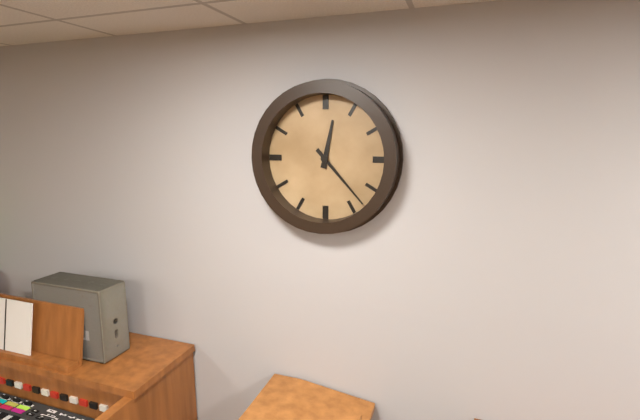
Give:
12h23
